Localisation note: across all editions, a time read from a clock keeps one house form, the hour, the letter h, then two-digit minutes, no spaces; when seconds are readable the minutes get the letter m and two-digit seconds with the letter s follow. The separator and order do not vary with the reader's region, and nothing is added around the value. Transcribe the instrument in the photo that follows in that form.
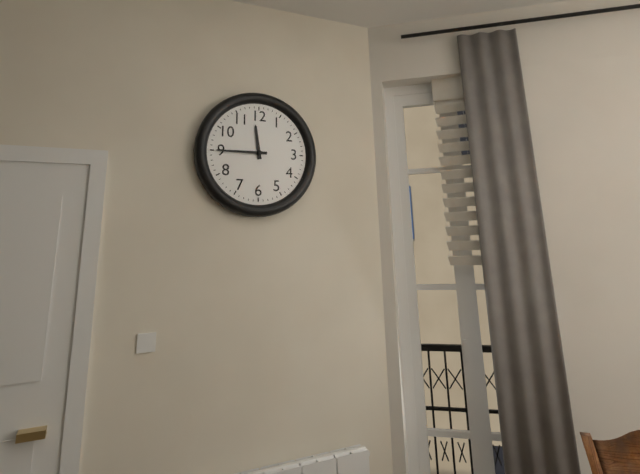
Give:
11h45
